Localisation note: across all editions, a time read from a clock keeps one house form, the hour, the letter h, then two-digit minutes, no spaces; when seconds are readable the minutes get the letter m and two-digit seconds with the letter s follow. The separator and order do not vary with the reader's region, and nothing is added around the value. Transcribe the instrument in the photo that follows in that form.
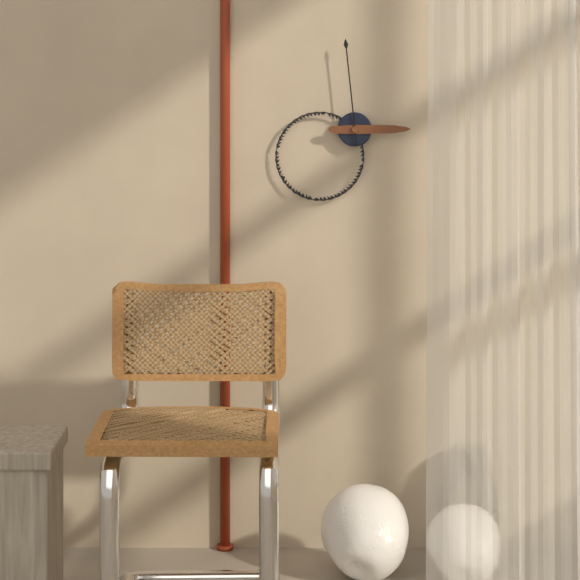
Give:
2h59
